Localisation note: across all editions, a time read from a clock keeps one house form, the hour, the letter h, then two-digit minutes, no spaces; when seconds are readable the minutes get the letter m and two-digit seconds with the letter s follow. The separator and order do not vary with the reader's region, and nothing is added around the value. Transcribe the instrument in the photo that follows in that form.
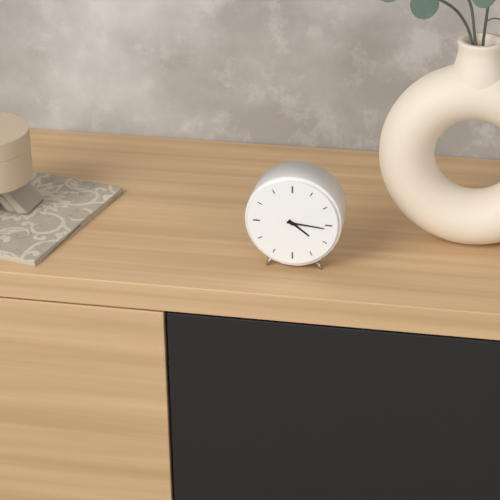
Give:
4h16
